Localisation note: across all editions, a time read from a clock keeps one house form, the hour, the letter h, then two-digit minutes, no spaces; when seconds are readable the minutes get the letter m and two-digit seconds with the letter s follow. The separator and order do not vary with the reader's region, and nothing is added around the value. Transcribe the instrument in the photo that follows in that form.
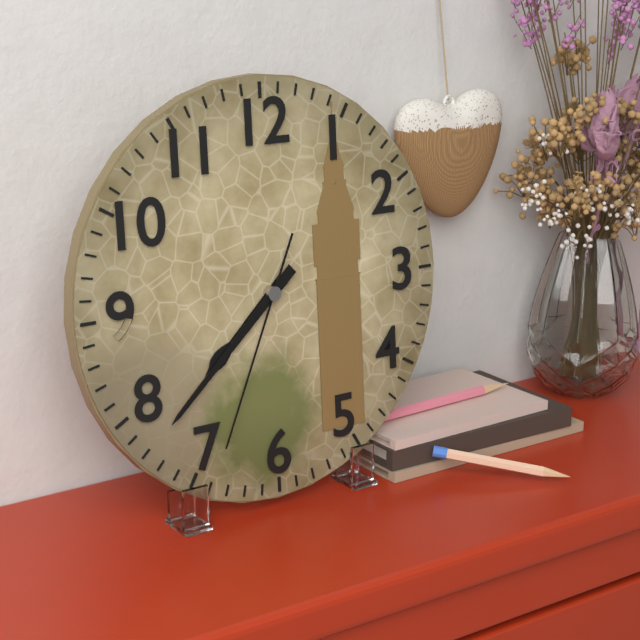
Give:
7h38m34s
